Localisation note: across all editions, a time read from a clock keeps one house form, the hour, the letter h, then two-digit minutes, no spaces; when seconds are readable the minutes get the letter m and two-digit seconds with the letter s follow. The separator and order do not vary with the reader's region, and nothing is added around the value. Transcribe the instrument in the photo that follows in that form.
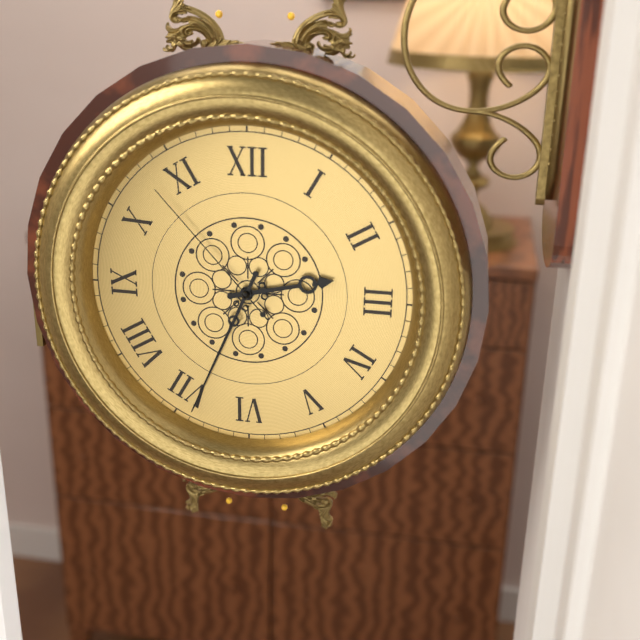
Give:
2h34m53s
